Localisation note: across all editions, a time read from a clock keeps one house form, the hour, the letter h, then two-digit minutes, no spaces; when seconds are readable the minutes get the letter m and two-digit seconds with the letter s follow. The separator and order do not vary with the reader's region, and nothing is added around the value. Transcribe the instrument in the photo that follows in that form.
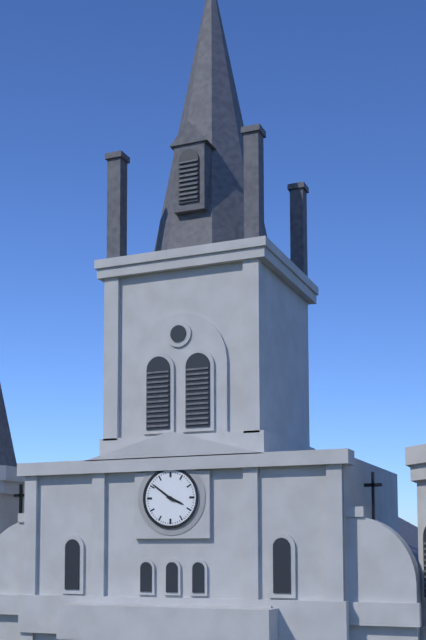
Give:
3h51
